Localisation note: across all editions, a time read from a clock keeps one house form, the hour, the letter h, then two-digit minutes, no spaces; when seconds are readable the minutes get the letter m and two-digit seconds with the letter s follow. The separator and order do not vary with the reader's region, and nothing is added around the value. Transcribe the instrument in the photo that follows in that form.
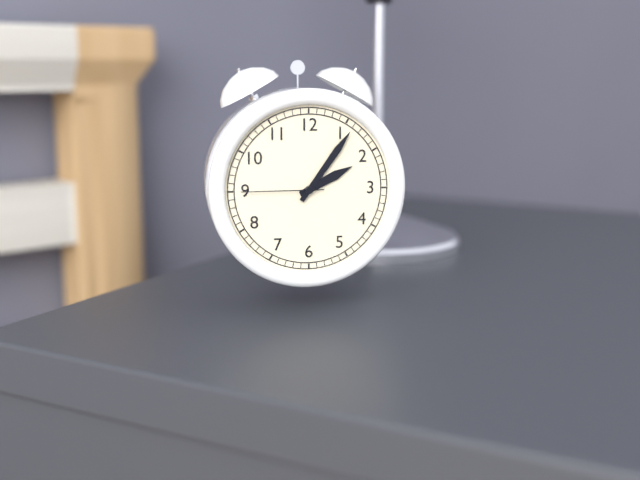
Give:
2h06m45s
